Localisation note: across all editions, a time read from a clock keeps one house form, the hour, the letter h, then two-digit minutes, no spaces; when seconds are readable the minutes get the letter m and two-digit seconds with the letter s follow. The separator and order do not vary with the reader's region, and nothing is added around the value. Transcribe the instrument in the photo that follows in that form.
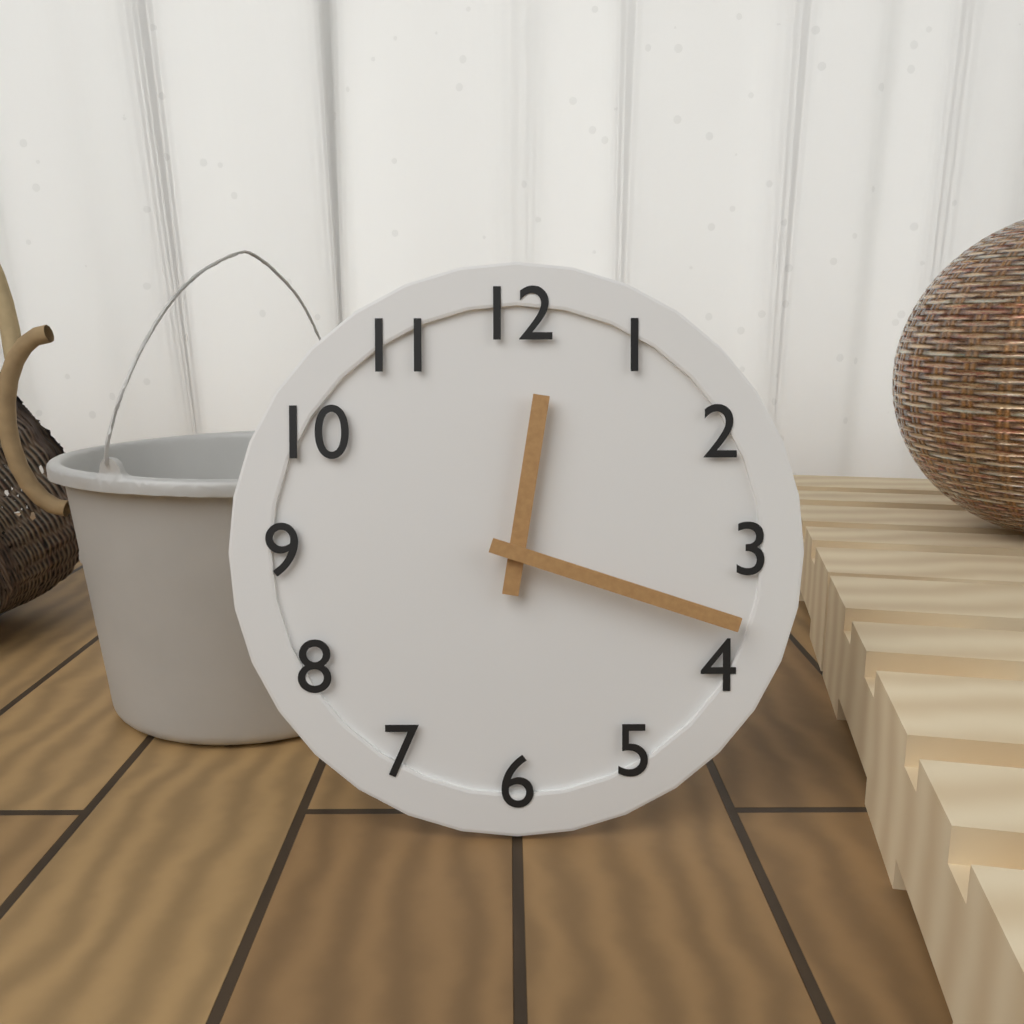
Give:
12h18
